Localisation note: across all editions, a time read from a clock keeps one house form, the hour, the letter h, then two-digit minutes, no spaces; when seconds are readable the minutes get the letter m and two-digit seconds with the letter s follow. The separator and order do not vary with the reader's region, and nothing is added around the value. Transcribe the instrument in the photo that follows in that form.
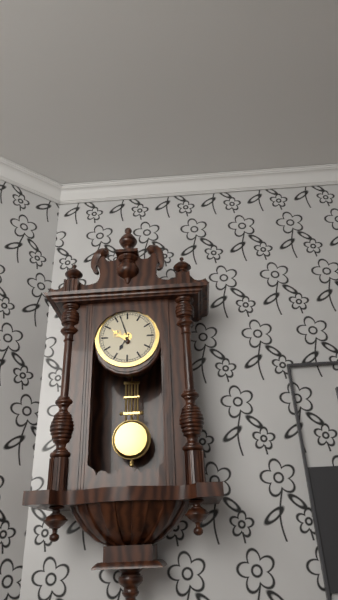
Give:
6h57
